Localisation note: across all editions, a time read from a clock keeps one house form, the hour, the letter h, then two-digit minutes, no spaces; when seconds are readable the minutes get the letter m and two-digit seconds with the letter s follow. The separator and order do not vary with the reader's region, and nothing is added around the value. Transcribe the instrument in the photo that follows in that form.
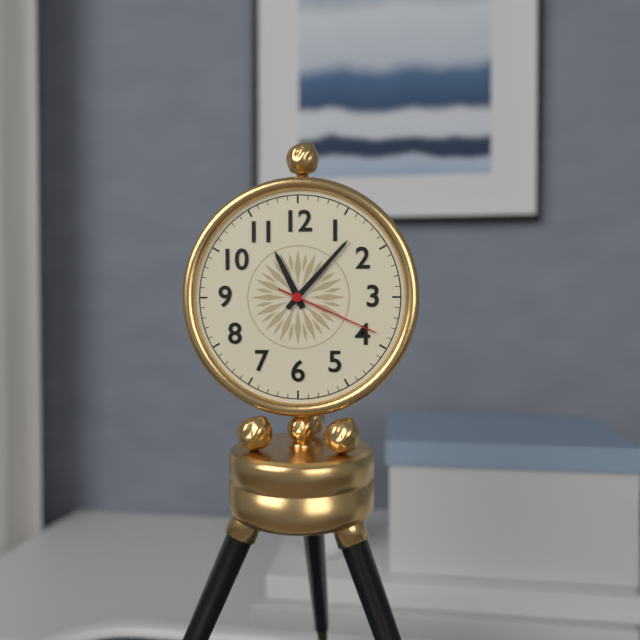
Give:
11h07m19s
